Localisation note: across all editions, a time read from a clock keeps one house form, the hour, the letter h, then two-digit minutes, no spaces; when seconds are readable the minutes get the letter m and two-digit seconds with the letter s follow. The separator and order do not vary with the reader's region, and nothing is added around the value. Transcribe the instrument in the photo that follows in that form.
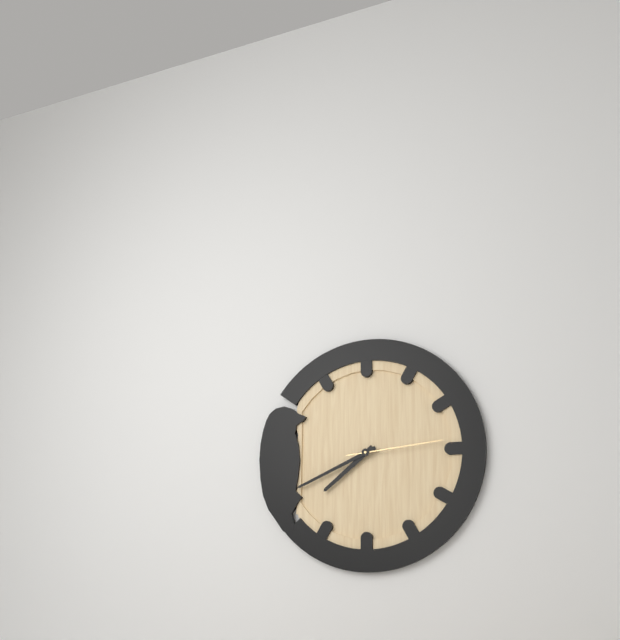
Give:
7h41m14s
